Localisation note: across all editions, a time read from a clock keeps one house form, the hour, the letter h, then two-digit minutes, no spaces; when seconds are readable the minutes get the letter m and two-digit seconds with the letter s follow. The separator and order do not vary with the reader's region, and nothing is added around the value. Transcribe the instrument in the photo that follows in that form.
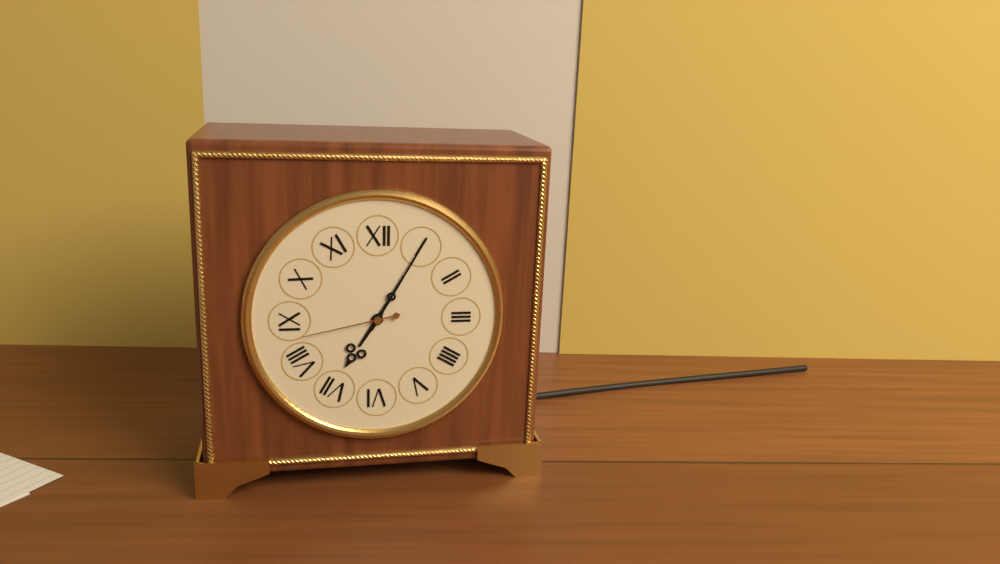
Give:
7h05m43s
